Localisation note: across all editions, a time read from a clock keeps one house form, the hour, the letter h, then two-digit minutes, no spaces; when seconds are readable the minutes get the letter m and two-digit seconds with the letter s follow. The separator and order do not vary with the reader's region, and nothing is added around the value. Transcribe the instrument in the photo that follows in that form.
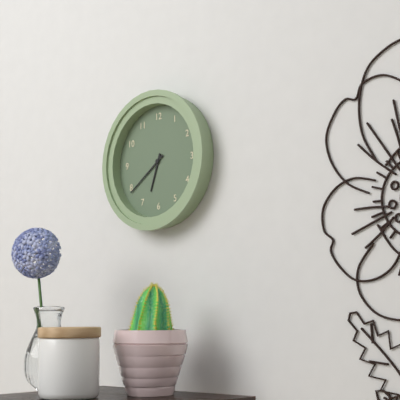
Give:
6h39
